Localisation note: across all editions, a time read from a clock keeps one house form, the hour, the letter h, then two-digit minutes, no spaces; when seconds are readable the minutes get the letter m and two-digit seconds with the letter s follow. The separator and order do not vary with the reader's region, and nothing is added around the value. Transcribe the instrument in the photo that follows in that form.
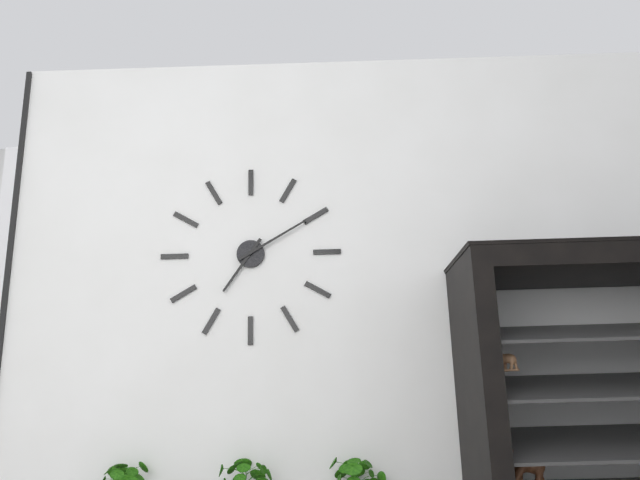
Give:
7h10
